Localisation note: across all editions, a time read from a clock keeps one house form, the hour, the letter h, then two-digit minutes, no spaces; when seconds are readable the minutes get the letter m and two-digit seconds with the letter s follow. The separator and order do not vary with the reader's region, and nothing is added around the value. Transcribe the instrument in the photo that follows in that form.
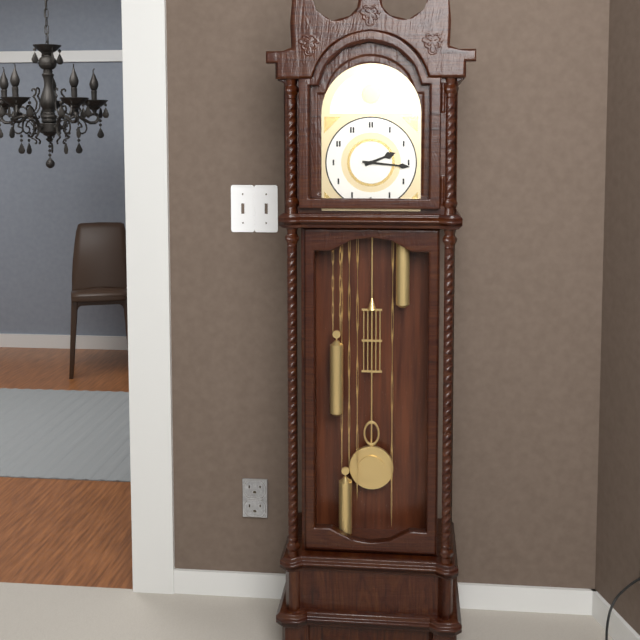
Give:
2h16
